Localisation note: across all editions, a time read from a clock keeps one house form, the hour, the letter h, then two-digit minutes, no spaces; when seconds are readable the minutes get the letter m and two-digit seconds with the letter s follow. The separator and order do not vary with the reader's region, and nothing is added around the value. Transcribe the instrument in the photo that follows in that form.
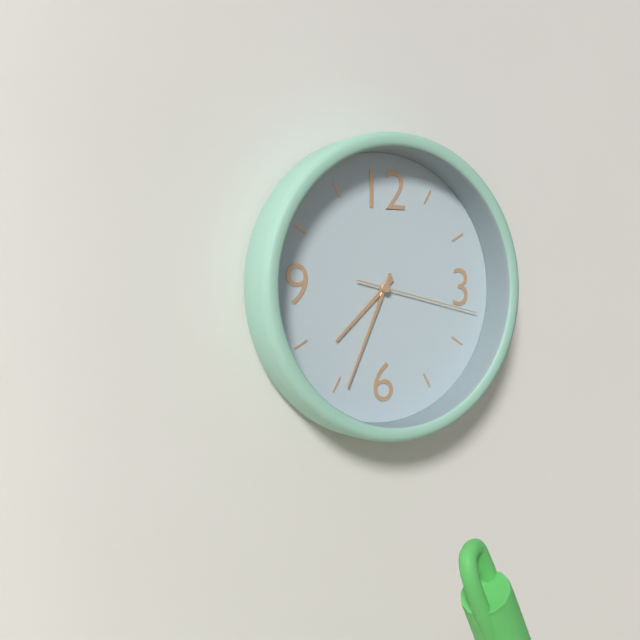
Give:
7h34m17s
